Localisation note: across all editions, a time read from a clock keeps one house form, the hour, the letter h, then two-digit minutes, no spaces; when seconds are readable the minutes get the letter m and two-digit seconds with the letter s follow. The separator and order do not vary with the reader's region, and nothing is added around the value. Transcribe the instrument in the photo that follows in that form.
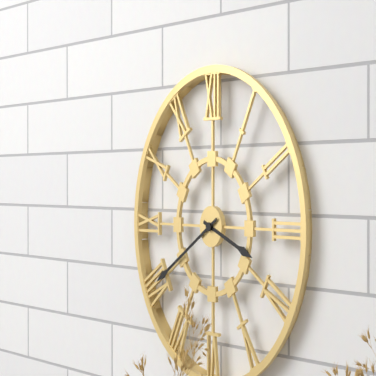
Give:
3h40
